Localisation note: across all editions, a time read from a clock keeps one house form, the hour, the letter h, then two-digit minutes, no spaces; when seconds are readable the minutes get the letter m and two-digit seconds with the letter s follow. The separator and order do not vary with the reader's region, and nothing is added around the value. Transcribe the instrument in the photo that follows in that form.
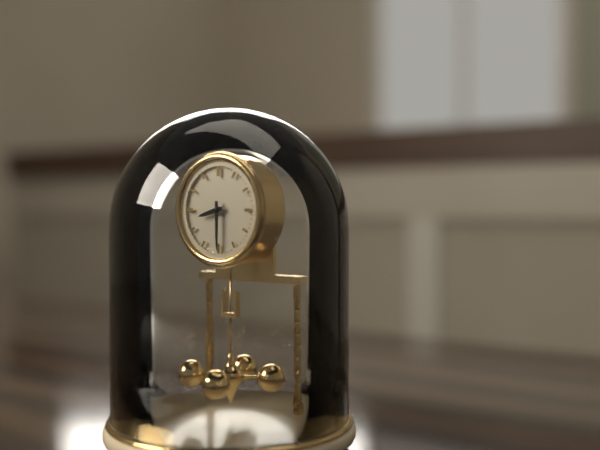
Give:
8h30
